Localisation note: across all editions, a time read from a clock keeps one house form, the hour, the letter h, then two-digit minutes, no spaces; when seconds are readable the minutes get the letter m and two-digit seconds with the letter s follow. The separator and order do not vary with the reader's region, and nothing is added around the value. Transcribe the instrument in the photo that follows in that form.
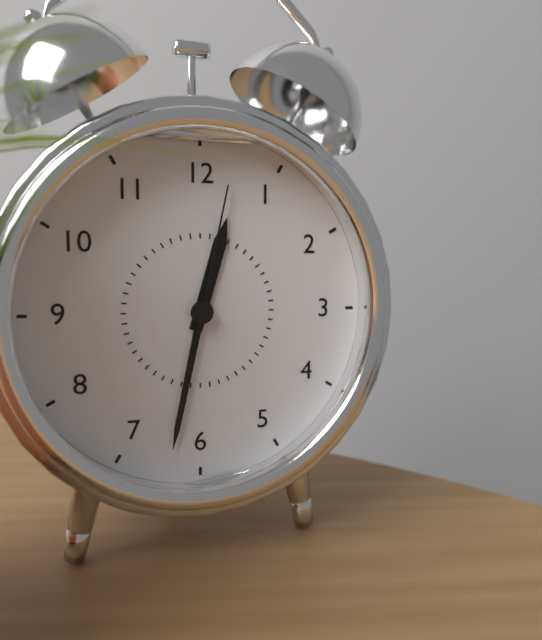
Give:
12h32m02s
